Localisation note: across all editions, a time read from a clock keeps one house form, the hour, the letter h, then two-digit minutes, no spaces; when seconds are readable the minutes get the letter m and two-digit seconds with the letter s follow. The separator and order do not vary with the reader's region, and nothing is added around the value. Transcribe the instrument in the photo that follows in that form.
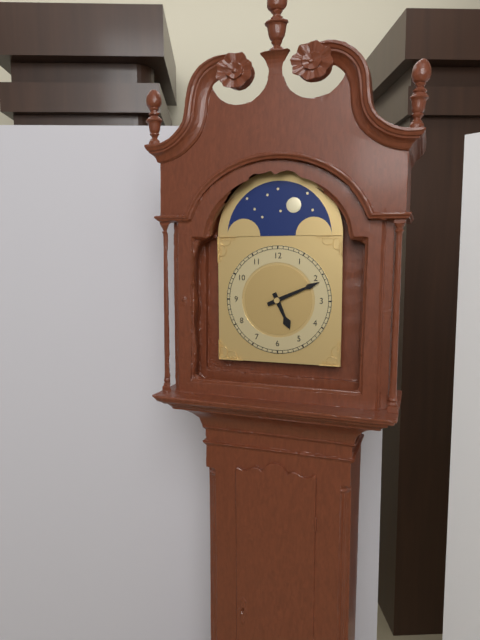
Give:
5h11
